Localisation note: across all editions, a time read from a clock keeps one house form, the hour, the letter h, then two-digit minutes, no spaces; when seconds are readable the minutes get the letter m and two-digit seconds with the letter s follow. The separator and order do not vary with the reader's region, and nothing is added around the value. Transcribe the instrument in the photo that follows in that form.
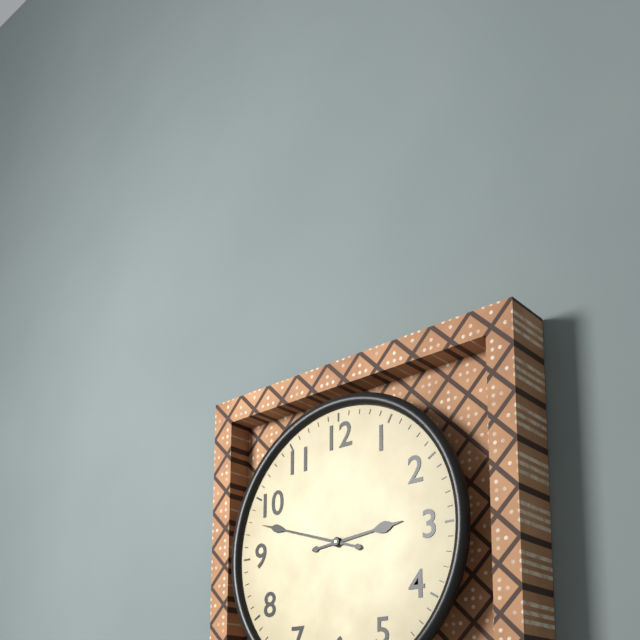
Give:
2h48
